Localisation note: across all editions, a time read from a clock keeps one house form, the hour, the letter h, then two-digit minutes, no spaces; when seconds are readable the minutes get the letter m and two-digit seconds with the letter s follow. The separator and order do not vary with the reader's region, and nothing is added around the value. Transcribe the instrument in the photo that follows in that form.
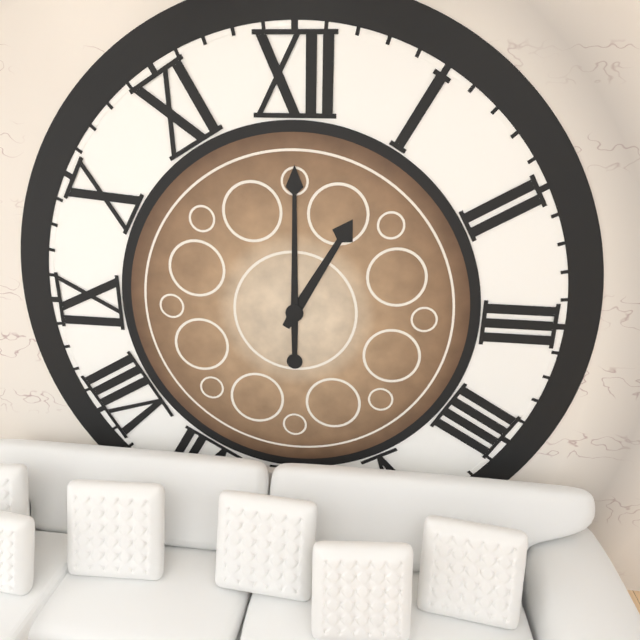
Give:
1h00
